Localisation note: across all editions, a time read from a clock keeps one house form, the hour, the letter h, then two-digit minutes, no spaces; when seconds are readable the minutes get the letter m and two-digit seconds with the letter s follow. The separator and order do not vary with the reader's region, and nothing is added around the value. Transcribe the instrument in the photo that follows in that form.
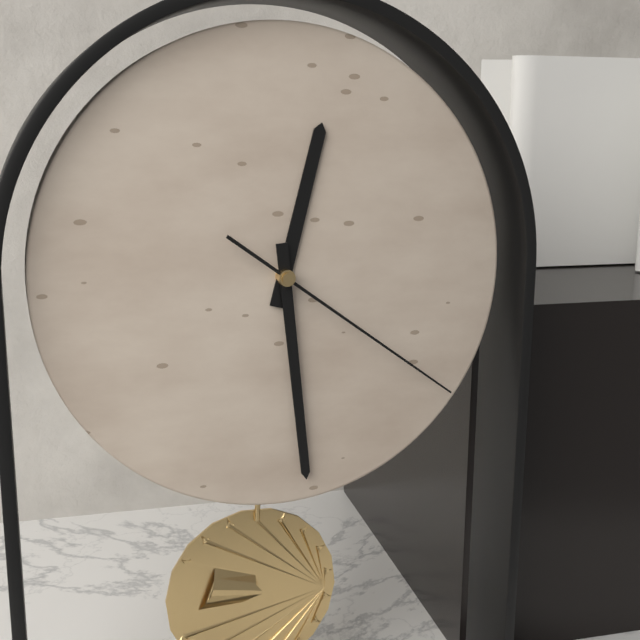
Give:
12h29m21s
